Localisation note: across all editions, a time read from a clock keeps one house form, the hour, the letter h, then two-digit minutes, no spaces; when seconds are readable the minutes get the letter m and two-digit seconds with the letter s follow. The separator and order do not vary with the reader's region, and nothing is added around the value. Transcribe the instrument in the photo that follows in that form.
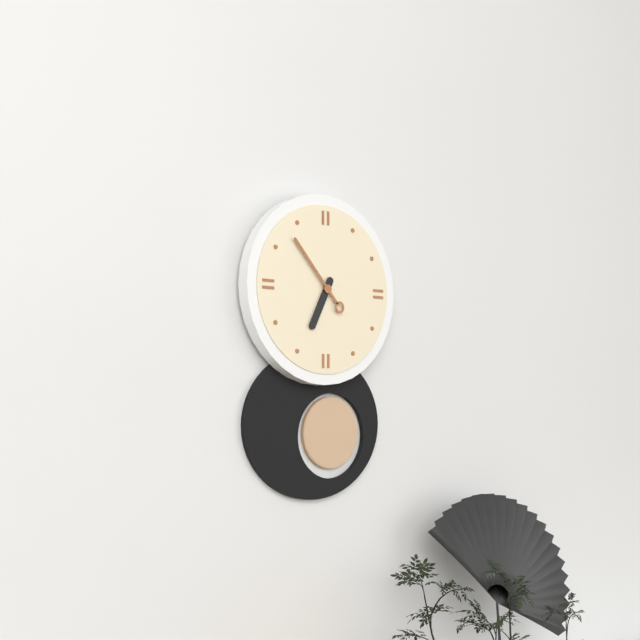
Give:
6h53
